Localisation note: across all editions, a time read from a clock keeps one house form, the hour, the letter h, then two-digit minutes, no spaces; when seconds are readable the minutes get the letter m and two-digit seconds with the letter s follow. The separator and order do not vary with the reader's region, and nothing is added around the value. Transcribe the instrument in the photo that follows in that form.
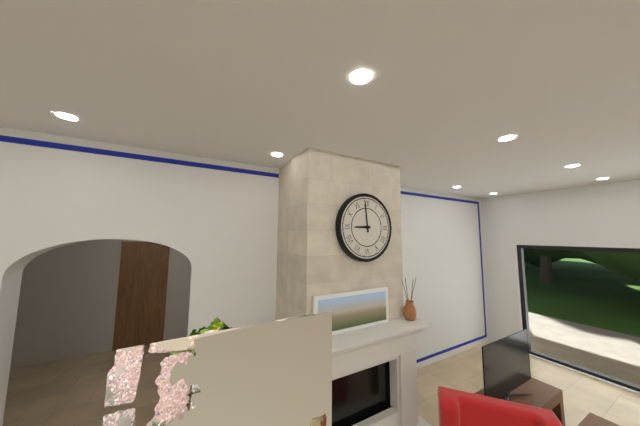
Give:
8h59
